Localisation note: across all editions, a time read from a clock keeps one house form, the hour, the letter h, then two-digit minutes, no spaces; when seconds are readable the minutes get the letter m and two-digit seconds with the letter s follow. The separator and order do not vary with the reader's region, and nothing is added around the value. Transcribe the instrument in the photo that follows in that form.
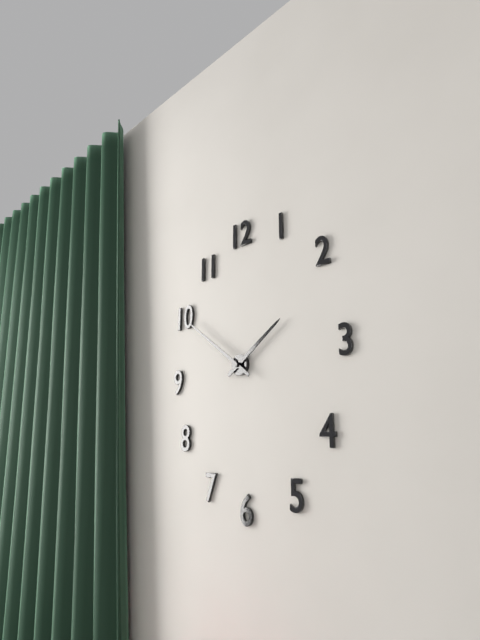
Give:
1h51
